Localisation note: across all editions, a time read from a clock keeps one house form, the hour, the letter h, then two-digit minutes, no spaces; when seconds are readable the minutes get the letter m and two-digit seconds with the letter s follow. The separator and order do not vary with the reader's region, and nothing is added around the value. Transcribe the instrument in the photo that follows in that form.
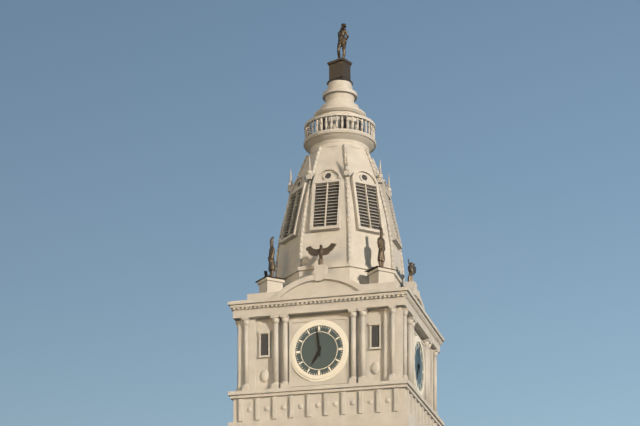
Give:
6h59
